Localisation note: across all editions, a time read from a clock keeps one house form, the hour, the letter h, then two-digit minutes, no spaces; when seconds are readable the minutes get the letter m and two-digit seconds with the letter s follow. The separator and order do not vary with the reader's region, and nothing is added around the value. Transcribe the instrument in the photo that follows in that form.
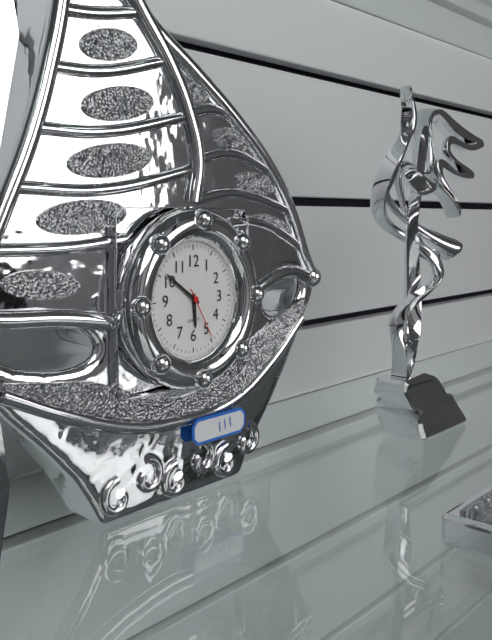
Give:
5h51m25s
